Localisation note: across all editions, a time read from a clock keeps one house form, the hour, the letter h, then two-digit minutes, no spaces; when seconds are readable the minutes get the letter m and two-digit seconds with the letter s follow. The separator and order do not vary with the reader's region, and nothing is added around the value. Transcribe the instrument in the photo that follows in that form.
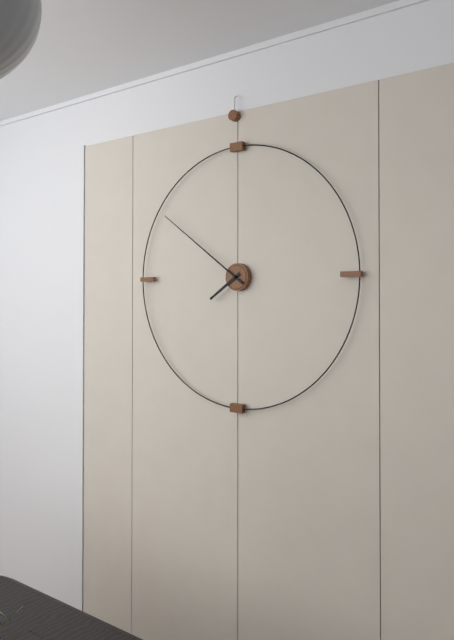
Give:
7h51
